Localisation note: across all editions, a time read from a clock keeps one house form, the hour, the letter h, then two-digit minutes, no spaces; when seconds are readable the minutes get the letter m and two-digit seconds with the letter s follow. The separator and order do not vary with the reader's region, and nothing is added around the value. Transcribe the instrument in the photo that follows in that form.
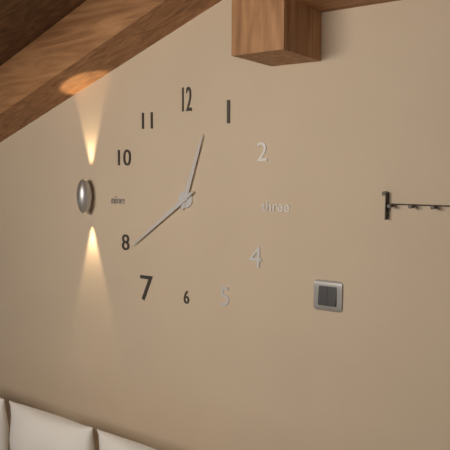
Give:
12h39
